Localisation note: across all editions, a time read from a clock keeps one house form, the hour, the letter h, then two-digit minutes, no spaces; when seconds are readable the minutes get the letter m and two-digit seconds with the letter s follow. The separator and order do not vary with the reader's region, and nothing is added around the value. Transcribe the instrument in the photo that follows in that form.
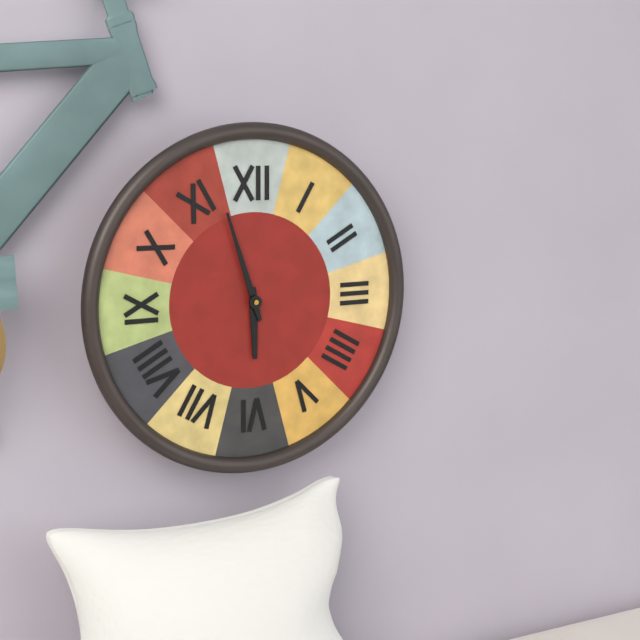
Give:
5h57
